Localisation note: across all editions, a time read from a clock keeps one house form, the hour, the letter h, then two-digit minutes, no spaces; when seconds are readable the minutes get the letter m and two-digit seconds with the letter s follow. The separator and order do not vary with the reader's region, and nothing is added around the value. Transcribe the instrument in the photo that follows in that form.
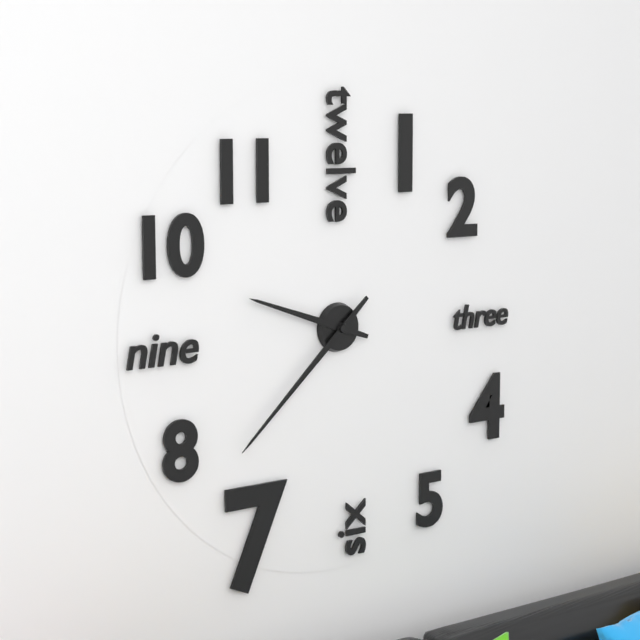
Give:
9h38
